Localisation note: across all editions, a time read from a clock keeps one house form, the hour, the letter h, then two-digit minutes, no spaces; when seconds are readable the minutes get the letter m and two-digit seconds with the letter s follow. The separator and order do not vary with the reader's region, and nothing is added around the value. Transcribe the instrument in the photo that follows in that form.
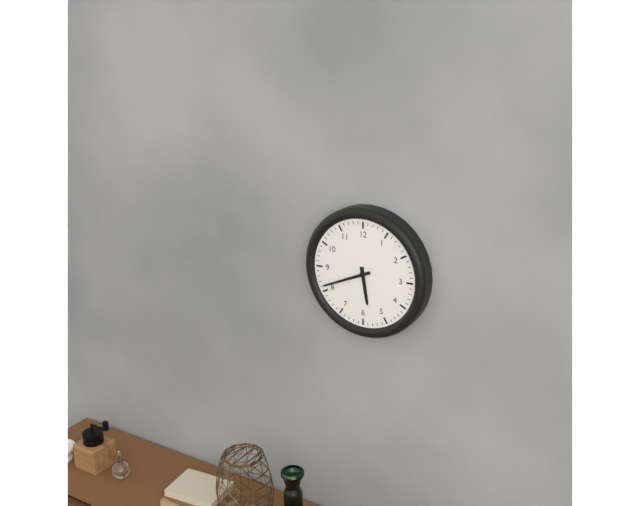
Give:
5h41
